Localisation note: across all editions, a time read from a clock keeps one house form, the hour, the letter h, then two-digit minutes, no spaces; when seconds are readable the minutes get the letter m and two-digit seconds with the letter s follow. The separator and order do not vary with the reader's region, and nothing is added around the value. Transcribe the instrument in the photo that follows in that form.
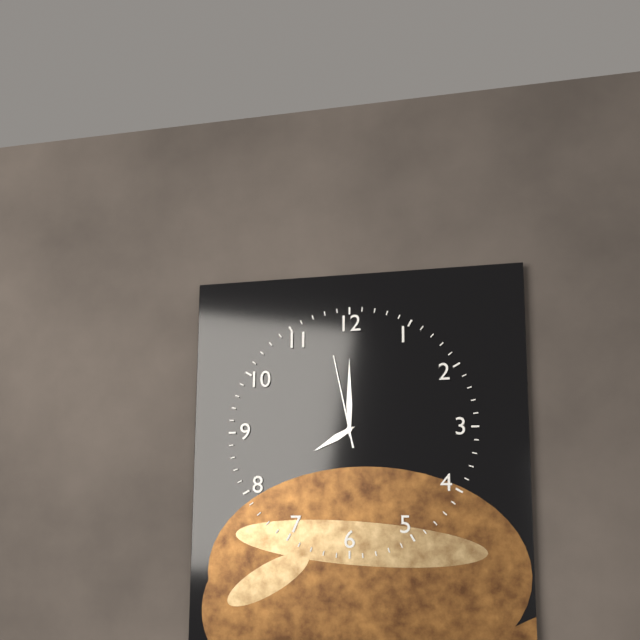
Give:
8h00m58s
